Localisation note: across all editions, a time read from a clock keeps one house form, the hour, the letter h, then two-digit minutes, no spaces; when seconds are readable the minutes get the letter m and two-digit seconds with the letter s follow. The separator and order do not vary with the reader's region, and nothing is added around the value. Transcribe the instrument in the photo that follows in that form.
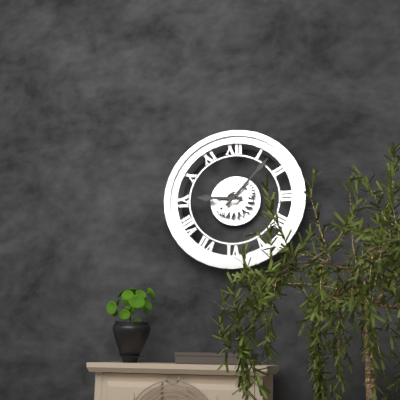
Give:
9h07
